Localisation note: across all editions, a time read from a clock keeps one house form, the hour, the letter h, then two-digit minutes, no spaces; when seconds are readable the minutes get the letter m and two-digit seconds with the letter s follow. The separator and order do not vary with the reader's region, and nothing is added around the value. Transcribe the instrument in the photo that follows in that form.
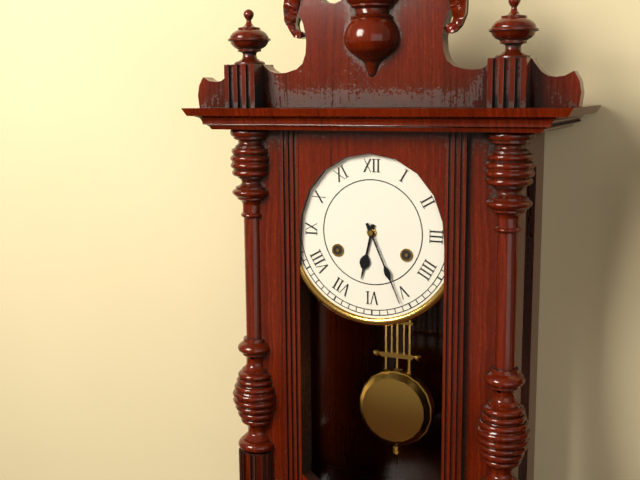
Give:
6h26
